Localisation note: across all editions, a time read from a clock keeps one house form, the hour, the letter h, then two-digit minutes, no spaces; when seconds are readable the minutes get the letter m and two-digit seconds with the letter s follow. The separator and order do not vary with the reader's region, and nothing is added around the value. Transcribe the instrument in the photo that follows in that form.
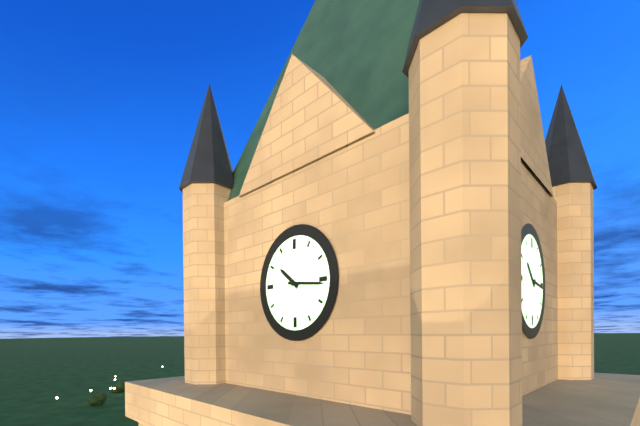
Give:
10h16
